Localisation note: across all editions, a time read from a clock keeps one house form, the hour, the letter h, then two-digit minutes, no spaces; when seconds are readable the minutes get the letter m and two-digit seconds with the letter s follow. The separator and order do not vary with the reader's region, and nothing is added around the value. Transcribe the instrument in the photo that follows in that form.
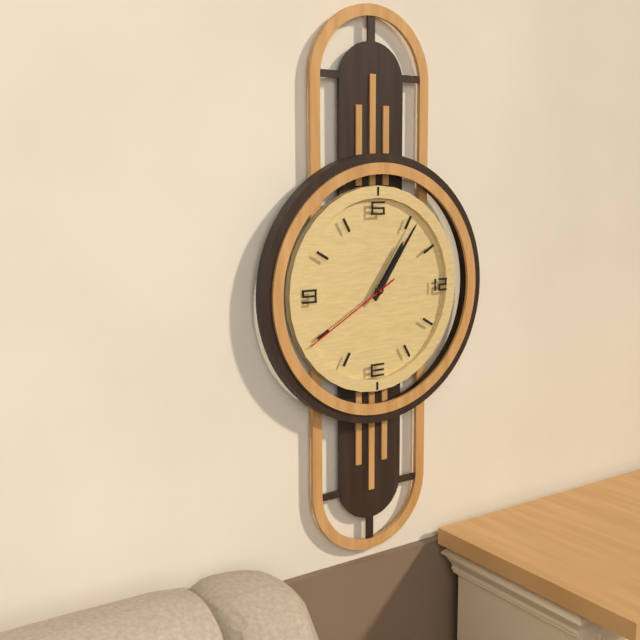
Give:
1h06m40s
